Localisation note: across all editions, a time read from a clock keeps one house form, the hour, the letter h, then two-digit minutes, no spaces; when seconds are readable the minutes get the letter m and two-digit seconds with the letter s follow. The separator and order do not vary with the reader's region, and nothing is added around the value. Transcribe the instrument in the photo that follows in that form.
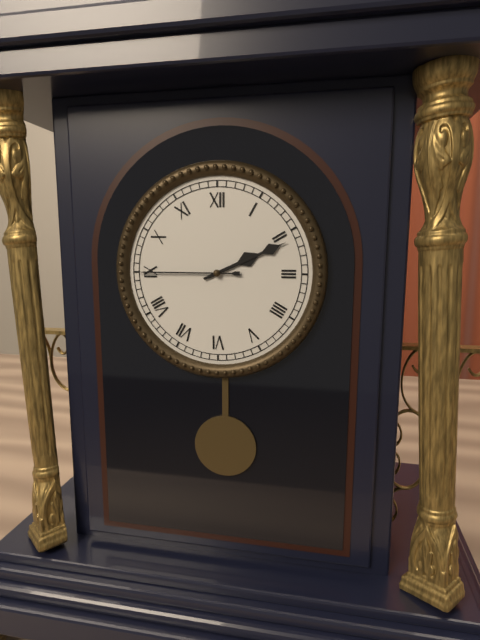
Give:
2h11m45s
